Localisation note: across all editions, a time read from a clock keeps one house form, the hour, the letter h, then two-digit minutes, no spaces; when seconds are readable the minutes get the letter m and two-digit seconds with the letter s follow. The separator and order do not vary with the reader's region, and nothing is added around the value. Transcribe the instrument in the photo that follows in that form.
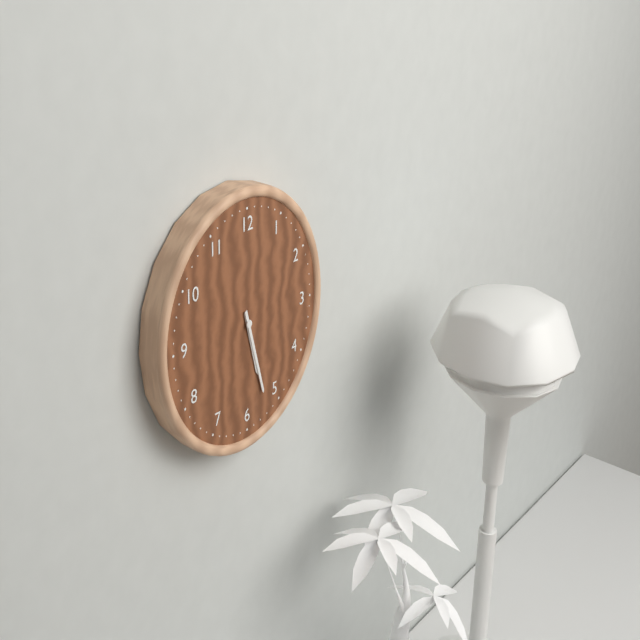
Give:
5h27
